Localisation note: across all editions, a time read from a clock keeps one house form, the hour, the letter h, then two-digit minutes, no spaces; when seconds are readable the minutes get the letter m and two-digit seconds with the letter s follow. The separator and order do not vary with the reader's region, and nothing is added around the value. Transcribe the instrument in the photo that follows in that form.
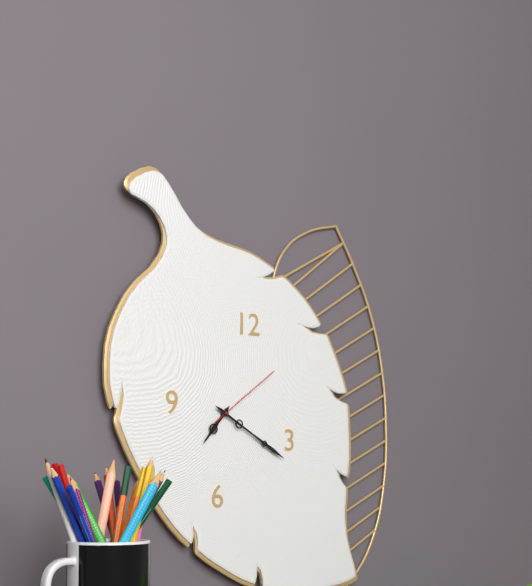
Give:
7h20m09s
